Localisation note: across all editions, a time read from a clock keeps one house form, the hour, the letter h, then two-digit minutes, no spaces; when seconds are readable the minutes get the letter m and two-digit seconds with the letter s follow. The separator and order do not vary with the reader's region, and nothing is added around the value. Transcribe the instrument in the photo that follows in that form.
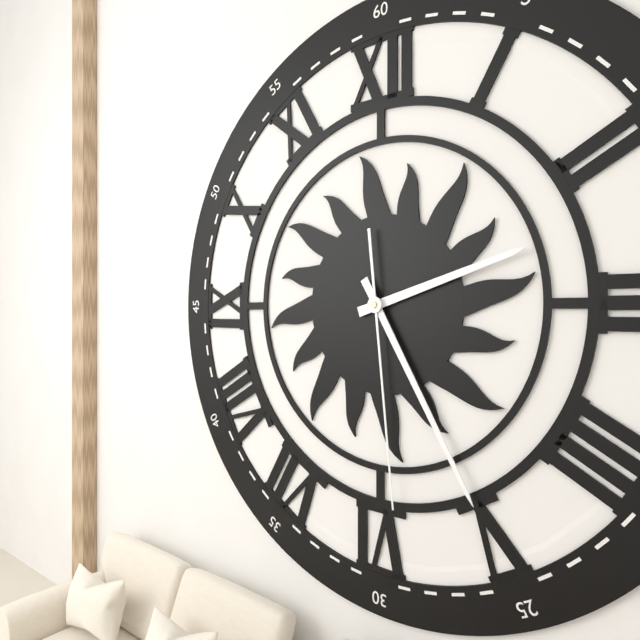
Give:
2h25m29s
